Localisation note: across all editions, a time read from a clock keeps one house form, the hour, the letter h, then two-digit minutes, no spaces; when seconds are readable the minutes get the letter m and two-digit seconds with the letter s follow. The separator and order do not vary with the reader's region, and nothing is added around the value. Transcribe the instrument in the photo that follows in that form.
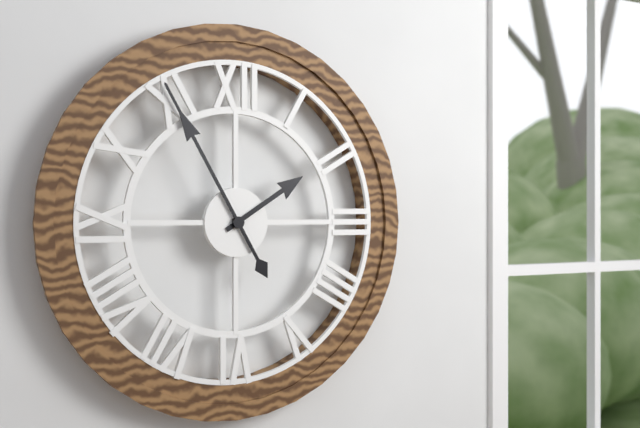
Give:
1h55
